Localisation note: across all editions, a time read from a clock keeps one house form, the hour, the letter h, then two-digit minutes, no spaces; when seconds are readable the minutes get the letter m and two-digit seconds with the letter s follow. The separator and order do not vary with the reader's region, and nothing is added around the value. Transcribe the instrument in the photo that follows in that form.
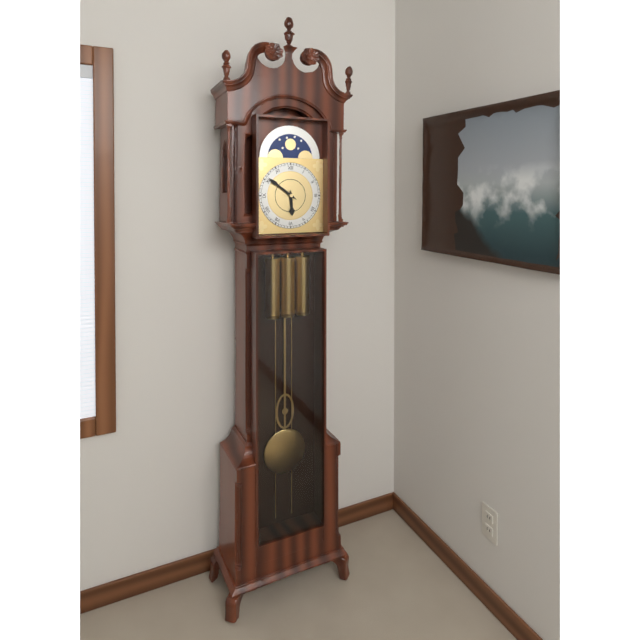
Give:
5h51
